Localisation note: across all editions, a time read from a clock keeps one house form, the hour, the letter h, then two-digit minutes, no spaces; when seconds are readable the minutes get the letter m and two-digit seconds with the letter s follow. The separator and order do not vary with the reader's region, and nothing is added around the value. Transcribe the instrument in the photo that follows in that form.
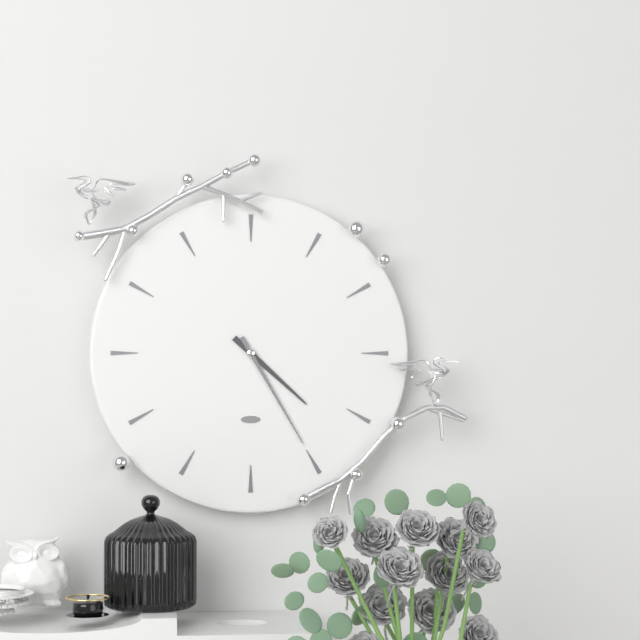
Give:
4h25
